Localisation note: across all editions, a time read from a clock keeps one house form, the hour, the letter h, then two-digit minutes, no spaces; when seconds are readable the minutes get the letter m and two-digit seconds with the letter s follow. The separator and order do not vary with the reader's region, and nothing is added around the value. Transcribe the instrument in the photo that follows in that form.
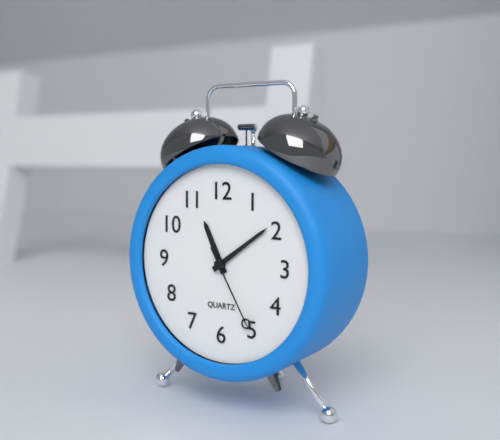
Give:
11h09m25s
